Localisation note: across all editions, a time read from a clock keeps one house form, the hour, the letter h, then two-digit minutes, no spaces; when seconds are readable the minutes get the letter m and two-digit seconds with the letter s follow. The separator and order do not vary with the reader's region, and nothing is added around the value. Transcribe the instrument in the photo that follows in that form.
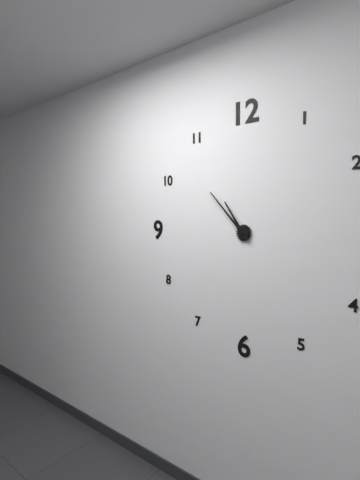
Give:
10h53
